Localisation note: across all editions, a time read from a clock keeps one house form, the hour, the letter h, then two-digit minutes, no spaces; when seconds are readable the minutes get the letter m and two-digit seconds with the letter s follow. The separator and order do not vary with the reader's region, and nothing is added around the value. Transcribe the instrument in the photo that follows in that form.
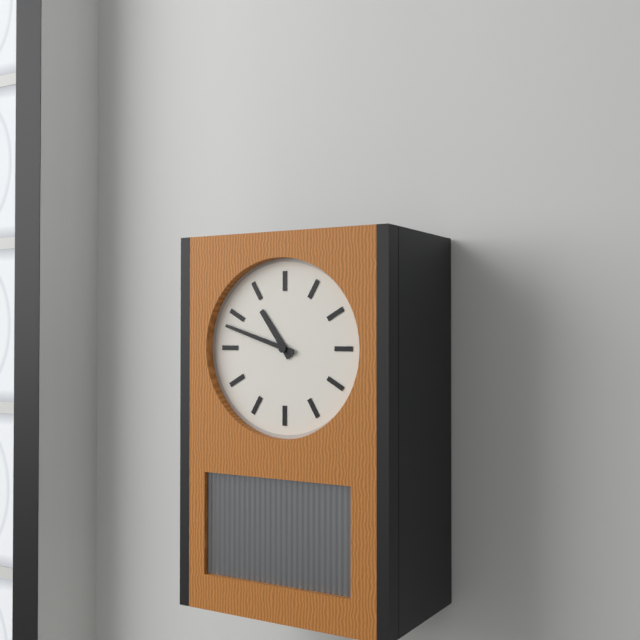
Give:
10h48
